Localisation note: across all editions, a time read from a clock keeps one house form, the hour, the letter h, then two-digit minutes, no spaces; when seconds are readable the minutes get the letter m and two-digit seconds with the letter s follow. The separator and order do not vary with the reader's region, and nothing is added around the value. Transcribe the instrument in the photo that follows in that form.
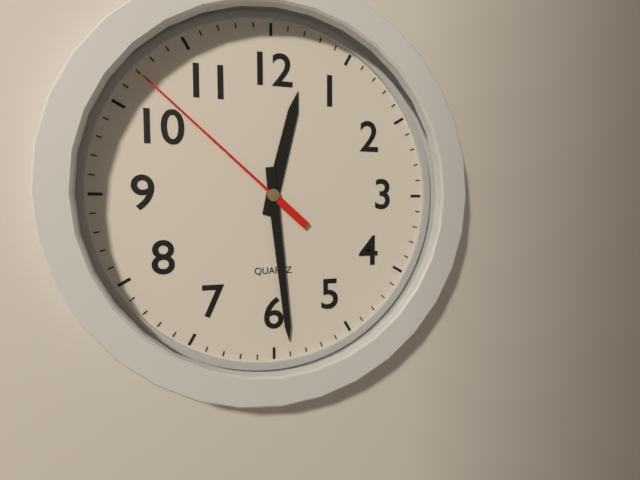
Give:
12h29m52s
